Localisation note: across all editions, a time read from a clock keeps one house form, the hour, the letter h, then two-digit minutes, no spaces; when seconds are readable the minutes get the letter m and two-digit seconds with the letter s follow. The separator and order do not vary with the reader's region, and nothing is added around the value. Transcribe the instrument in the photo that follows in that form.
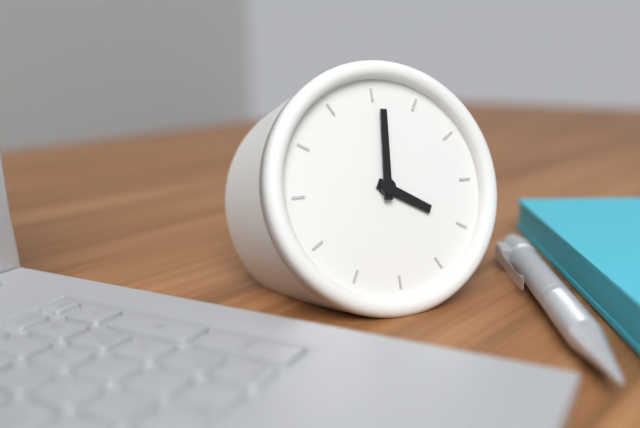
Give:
4h01
